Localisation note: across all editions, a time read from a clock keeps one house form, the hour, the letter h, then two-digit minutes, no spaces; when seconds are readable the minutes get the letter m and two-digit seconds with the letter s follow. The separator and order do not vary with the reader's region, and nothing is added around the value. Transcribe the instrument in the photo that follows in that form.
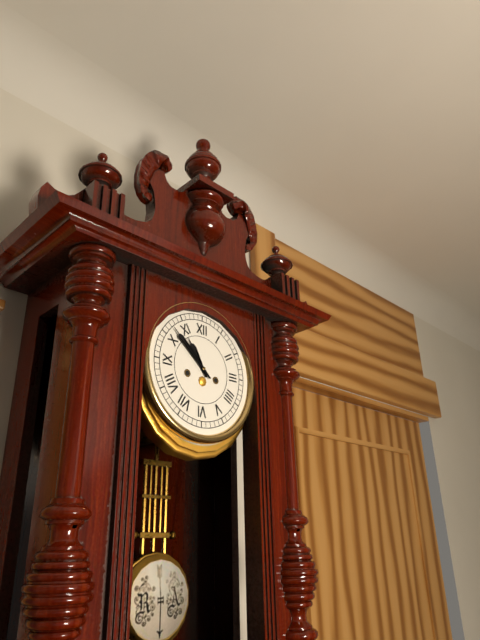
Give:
10h52
